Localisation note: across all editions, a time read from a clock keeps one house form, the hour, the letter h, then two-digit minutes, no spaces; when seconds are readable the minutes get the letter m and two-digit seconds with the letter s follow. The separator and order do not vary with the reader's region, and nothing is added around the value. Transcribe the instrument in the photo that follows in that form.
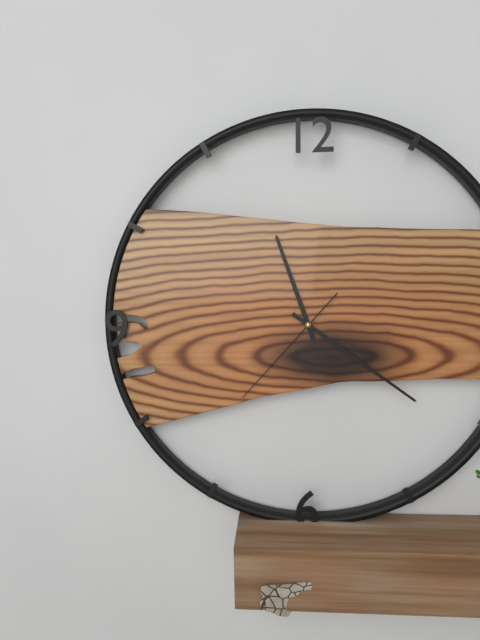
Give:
11h21m37s
